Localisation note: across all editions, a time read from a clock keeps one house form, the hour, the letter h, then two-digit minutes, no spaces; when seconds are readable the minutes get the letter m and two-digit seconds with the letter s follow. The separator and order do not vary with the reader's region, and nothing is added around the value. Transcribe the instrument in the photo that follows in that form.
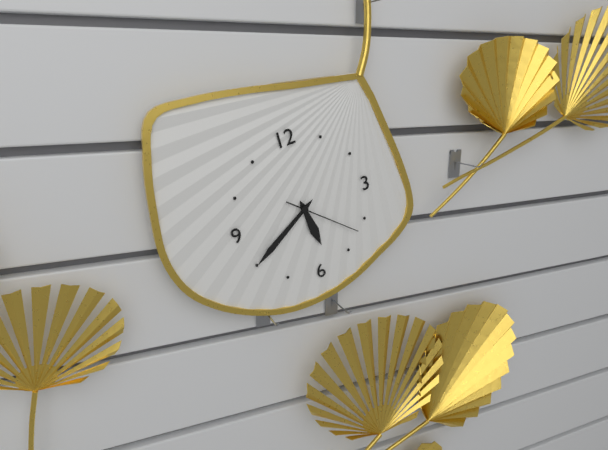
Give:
5h40m22s
